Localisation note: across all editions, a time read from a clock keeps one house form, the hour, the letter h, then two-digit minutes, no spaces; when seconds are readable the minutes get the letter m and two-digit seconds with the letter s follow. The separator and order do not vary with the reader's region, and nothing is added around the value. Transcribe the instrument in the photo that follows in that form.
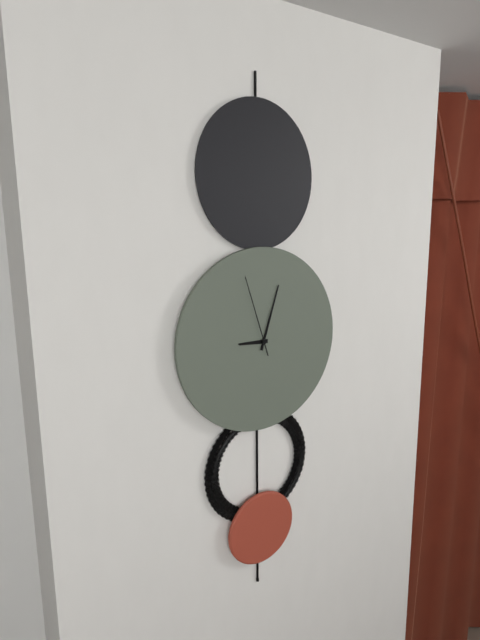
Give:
9h03m57s
